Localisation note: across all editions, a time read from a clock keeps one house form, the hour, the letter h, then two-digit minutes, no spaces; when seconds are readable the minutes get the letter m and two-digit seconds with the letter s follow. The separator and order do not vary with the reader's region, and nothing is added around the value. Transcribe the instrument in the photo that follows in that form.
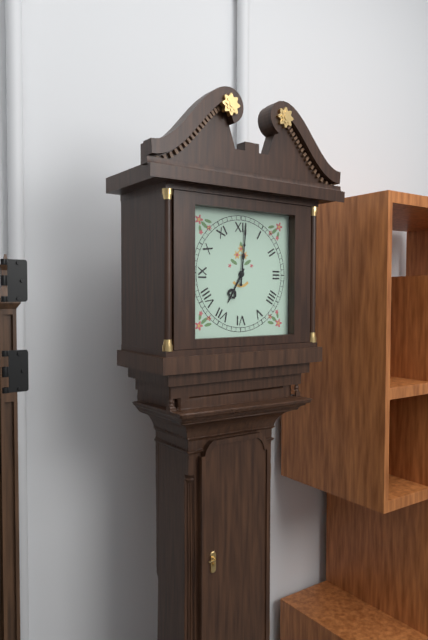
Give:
7h01
